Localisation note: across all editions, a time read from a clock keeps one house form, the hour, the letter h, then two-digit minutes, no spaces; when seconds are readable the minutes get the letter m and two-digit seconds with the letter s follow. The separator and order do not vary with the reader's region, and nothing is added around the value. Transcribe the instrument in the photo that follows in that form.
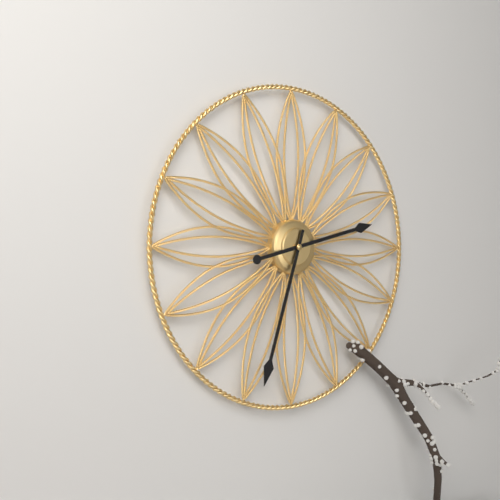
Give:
2h33
